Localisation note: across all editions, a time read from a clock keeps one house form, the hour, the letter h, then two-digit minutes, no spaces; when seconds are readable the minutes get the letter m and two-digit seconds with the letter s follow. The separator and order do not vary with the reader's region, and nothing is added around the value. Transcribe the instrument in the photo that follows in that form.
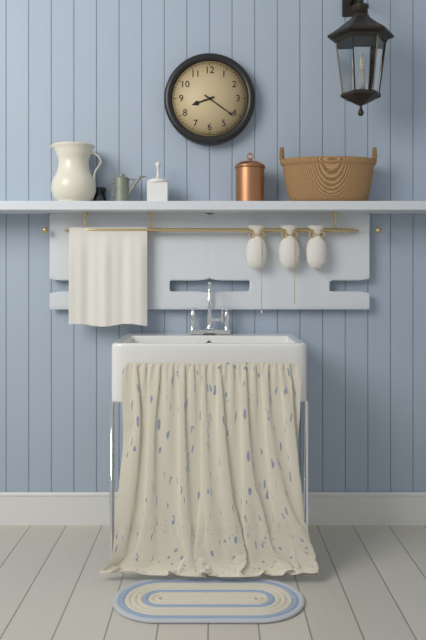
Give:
8h21
